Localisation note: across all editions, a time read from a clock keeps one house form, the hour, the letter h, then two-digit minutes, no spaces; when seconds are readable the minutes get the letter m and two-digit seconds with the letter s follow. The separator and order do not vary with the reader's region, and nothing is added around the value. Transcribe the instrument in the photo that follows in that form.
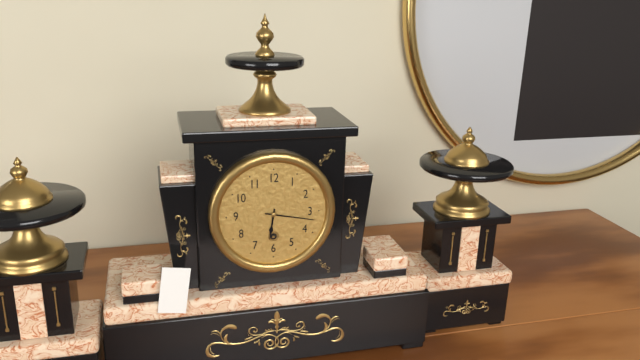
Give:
6h17
